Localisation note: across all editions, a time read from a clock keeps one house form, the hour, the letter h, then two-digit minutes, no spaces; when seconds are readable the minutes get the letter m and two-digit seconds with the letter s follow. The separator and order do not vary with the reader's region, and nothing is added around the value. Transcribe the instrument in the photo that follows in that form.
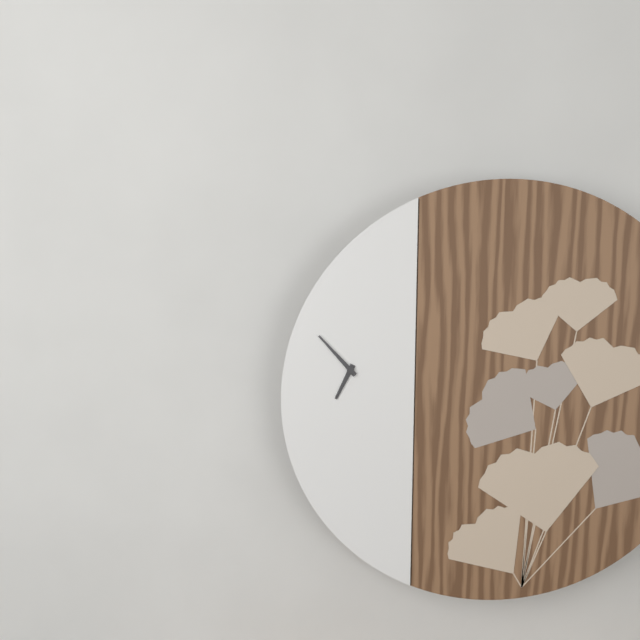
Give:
6h53
